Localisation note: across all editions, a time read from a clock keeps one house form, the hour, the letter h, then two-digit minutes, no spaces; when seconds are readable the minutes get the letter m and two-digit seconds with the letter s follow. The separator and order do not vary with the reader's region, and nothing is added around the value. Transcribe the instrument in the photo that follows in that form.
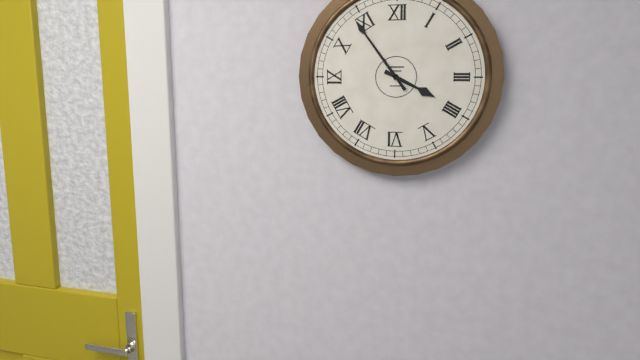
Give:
3h54
